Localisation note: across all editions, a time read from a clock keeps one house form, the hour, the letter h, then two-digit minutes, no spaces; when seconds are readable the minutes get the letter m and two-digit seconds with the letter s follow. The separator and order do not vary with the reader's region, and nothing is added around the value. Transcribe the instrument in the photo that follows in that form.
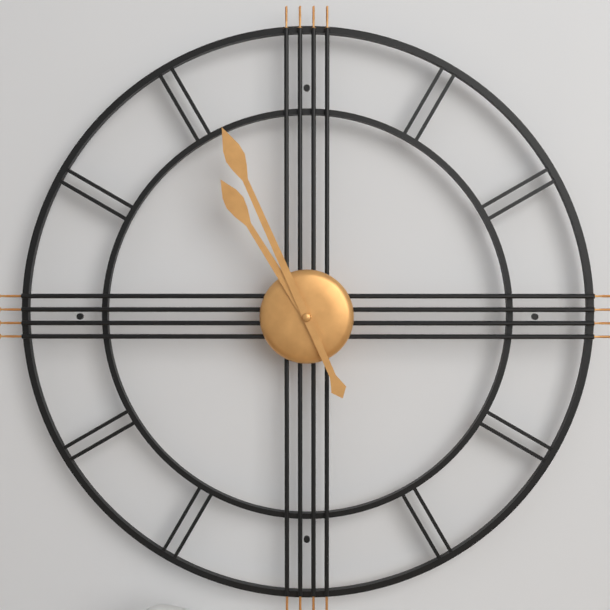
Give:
10h56
